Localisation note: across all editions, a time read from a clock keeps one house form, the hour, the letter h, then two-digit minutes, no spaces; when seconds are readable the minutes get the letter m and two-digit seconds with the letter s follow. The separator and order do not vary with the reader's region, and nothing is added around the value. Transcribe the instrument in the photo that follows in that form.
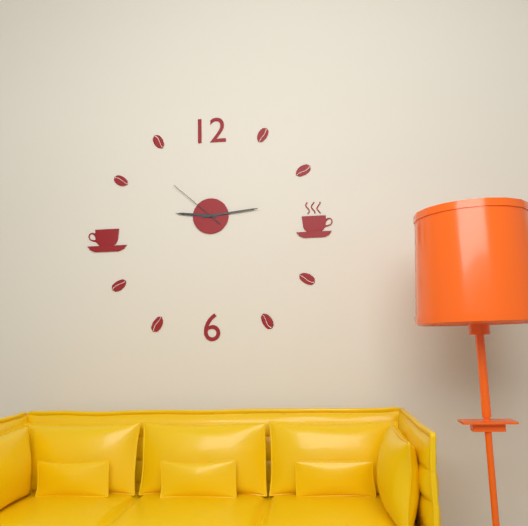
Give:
9h14m52s
